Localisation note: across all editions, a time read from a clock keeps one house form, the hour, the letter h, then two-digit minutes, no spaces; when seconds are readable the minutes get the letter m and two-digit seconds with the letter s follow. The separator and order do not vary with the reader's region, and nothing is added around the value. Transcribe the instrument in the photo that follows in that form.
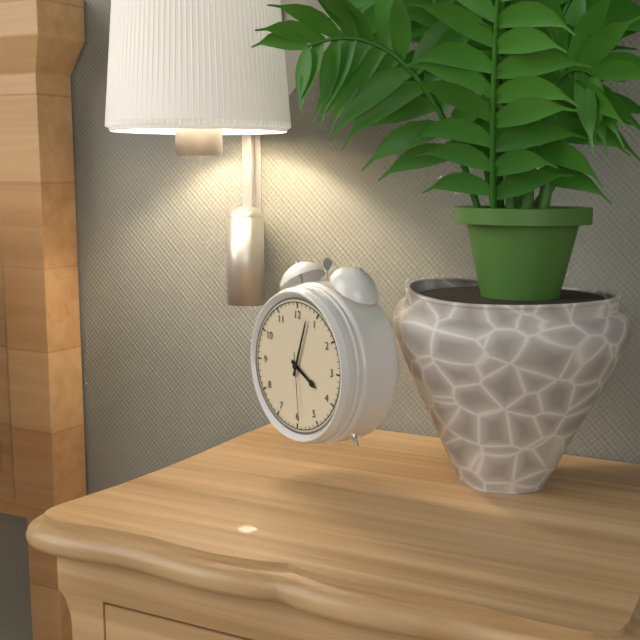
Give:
4h03m29s
